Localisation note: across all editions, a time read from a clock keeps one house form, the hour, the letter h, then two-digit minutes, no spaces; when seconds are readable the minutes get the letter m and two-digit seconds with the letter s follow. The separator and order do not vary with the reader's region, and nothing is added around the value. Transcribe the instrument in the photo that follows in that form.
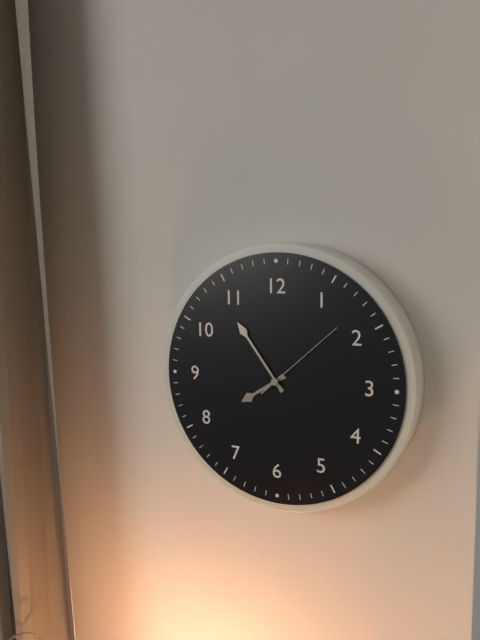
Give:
7h54m08s
